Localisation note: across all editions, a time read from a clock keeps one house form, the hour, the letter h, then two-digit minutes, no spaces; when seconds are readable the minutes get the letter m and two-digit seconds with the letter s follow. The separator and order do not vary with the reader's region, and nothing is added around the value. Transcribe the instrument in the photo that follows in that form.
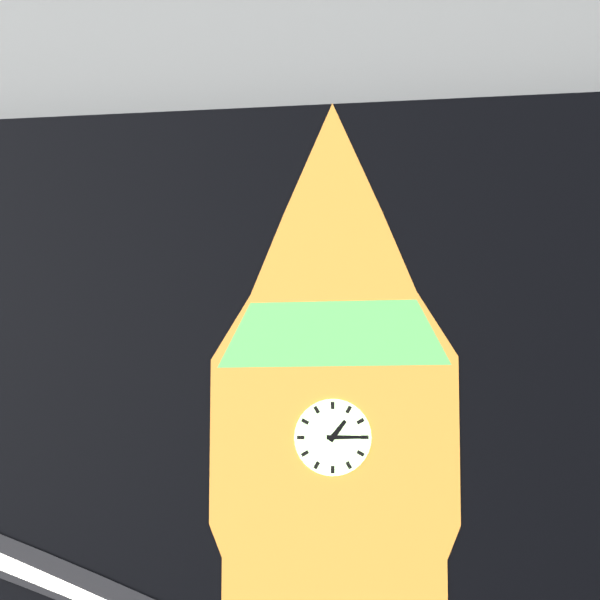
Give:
1h15
